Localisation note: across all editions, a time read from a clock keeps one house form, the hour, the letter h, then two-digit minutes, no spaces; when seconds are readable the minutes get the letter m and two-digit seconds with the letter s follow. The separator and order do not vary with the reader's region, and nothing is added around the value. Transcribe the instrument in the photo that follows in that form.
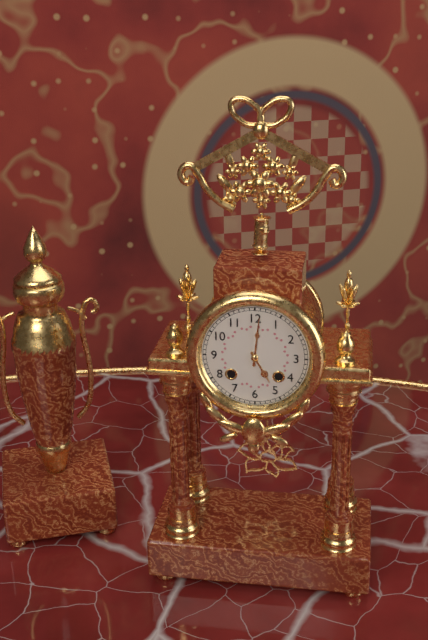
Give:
5h01
